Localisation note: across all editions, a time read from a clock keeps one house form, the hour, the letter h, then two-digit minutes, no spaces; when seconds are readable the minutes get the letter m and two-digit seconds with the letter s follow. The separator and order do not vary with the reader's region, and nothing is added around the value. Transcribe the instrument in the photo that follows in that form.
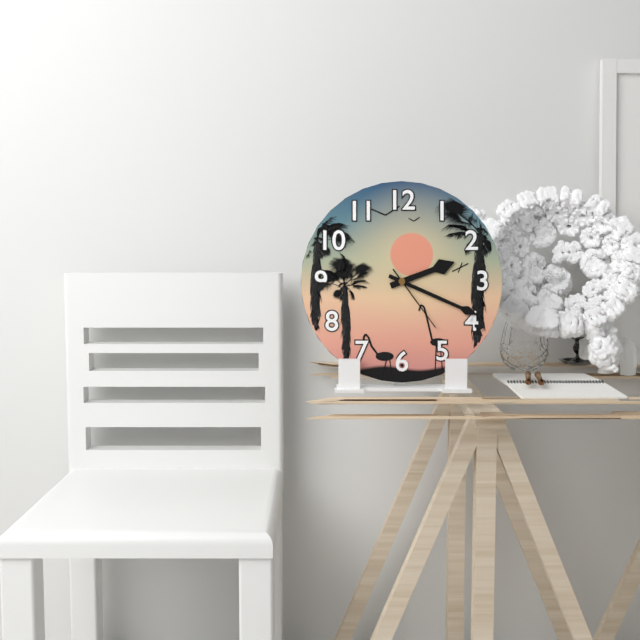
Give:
2h19m24s
